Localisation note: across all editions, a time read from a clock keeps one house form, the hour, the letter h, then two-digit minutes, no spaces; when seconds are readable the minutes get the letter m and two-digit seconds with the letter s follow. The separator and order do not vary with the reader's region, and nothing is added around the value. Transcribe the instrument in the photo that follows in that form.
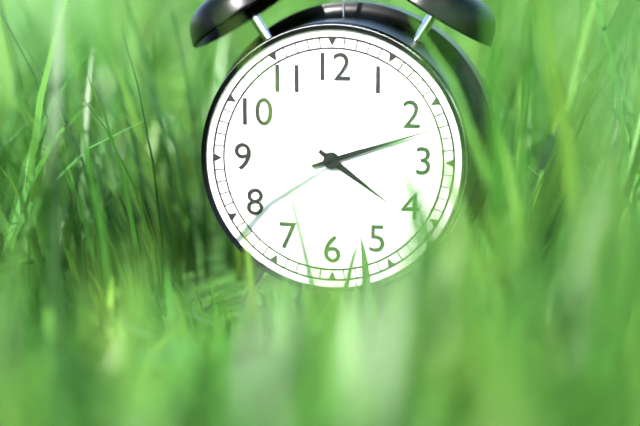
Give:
4h12
